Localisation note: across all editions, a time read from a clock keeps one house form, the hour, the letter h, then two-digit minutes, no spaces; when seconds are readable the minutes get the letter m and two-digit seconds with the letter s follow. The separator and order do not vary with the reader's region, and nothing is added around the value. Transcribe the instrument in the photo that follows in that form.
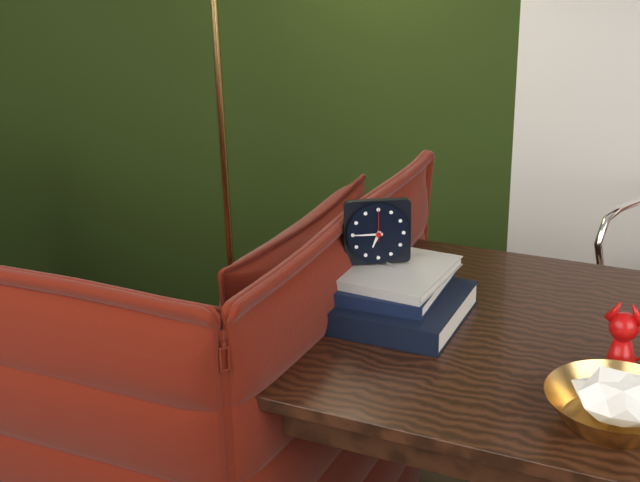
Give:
6h45
